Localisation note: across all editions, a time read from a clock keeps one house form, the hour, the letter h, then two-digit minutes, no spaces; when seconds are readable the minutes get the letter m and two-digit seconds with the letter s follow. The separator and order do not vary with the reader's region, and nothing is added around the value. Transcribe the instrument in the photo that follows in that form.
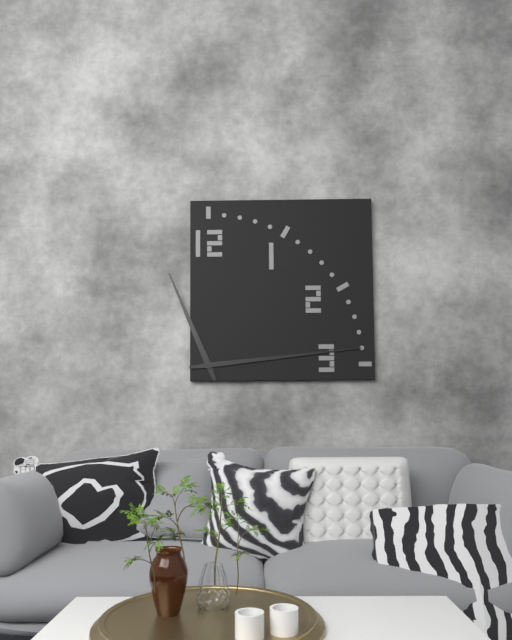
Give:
11h14
